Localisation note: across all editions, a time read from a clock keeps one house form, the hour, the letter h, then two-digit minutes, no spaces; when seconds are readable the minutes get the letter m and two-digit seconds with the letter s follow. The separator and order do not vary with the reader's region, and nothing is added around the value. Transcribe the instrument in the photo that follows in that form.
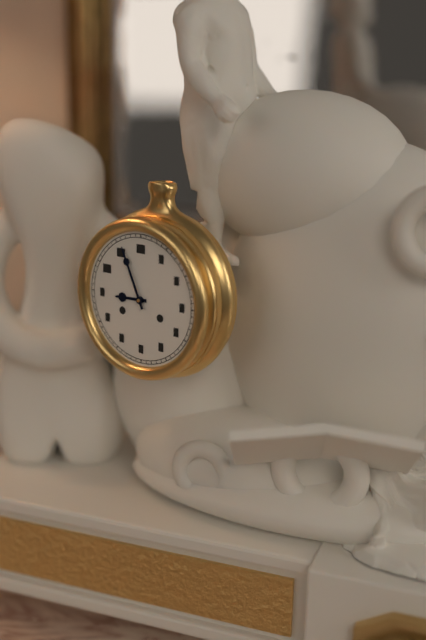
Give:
8h56
